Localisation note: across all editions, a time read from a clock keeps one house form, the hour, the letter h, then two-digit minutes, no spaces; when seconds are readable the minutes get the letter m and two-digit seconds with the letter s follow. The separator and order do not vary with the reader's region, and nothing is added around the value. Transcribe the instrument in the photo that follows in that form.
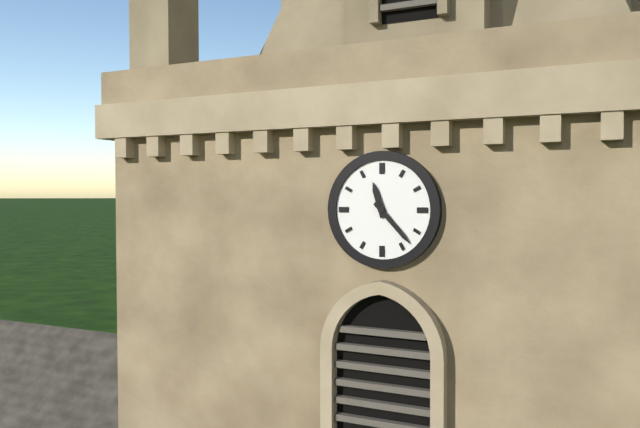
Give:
11h23
